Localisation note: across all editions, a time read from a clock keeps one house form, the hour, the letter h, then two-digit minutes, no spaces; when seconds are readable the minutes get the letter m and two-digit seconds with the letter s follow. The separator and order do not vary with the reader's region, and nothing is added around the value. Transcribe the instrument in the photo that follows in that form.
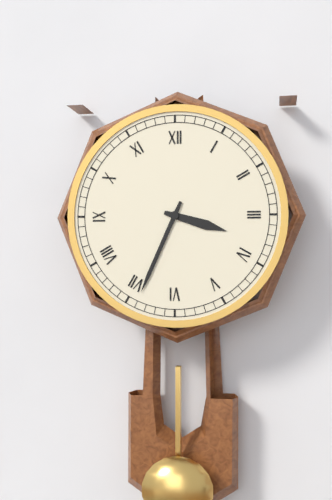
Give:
3h34
